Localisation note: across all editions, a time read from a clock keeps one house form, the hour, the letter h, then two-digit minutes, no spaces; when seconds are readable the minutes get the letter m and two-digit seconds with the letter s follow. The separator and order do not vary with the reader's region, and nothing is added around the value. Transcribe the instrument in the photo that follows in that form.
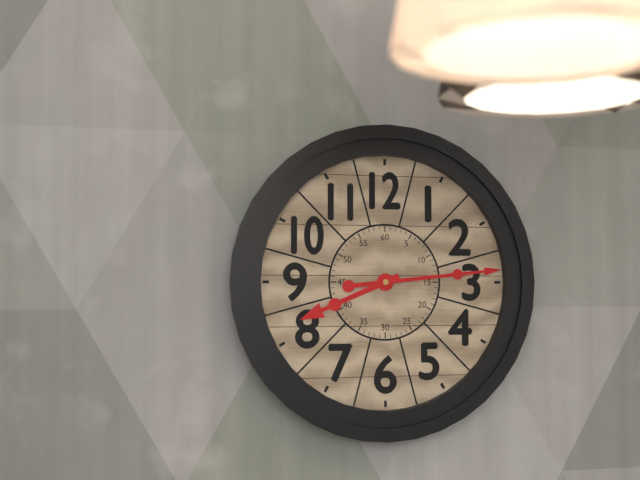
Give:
8h14
